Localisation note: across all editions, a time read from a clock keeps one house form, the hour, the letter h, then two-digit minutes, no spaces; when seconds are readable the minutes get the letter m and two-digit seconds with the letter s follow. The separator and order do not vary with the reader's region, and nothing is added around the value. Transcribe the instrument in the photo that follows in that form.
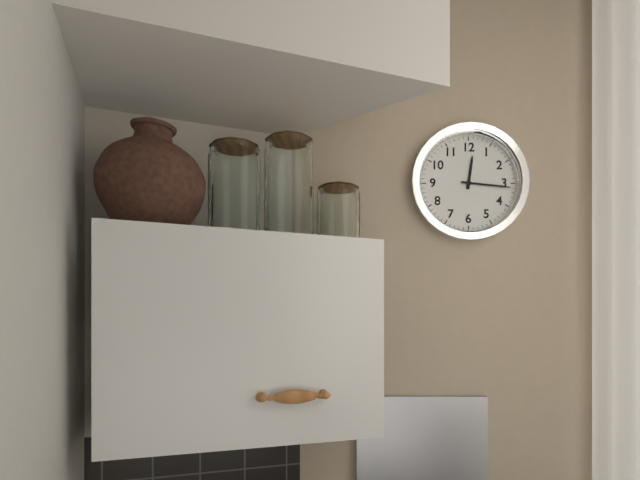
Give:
12h16
